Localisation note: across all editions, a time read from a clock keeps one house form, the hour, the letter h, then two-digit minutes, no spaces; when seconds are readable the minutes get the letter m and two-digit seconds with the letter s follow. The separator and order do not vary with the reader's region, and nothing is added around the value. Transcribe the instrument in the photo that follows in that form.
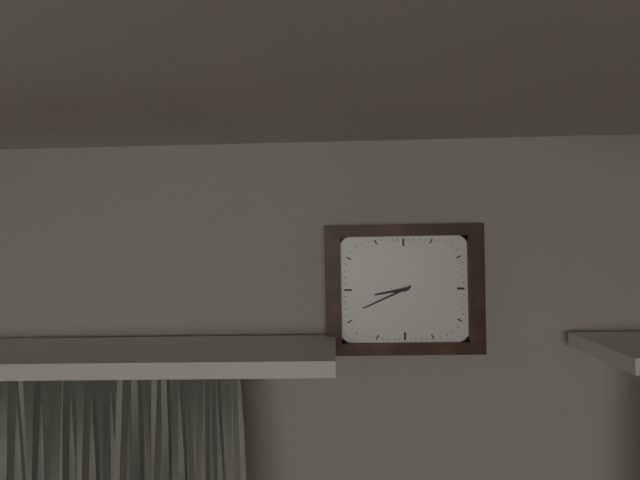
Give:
8h41
